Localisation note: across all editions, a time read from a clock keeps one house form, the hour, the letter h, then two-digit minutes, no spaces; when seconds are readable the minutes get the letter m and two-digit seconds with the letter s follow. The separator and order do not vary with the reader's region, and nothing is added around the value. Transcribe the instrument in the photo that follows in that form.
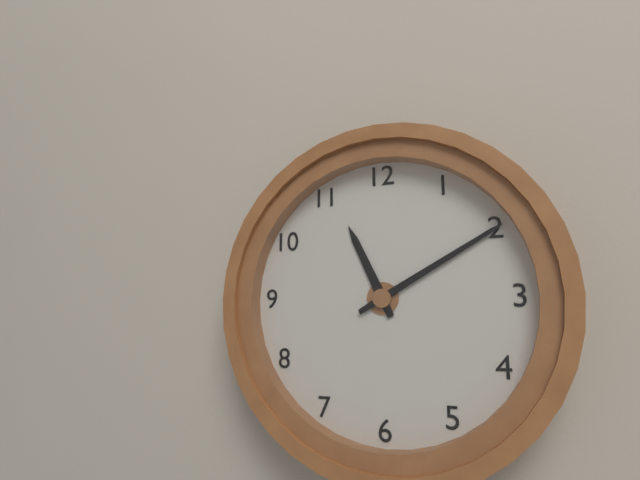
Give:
11h10
